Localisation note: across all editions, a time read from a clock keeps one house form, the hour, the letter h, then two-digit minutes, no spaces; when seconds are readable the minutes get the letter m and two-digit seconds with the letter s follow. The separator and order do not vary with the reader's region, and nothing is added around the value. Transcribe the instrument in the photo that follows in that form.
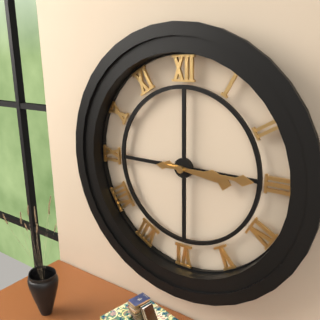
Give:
3h15
